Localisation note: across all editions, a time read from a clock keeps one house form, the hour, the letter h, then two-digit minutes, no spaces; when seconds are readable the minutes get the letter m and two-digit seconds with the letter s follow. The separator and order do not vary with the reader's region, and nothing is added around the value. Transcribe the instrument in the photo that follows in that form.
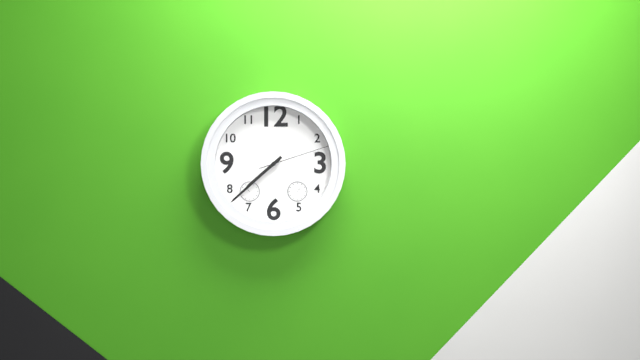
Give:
7h38m12s
